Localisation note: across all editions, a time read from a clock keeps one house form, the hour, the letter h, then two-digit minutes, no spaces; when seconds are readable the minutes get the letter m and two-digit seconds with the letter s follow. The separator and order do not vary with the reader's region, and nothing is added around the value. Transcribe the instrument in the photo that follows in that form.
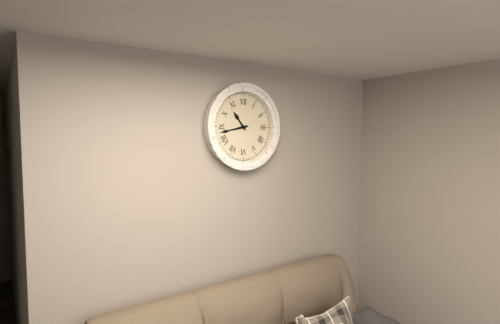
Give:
10h43
